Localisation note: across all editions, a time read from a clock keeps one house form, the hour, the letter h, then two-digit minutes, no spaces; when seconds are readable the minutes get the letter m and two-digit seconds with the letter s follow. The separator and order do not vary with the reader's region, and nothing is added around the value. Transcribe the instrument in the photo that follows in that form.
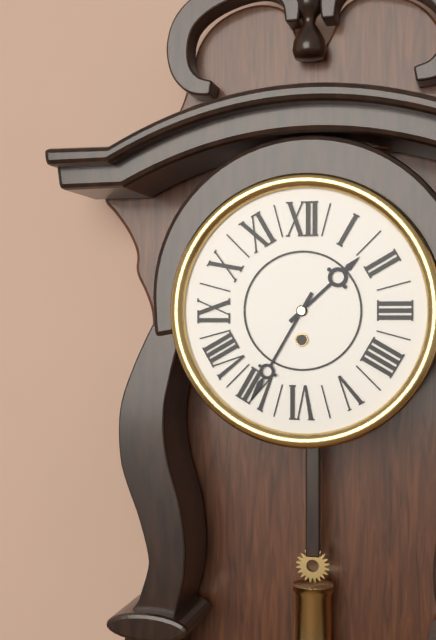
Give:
1h35
